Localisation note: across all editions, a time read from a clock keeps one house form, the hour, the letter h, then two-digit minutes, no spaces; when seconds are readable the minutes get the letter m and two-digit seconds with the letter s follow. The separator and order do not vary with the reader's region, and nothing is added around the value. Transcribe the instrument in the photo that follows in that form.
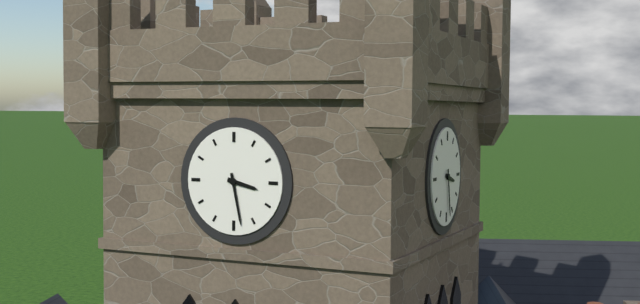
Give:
3h28
